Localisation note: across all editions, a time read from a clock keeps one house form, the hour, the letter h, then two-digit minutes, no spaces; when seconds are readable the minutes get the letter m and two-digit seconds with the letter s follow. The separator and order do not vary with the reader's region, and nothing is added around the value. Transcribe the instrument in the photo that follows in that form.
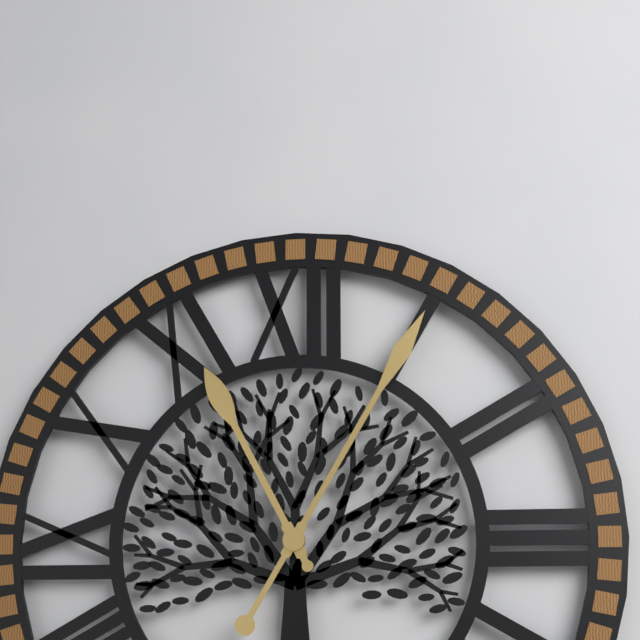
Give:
11h05
